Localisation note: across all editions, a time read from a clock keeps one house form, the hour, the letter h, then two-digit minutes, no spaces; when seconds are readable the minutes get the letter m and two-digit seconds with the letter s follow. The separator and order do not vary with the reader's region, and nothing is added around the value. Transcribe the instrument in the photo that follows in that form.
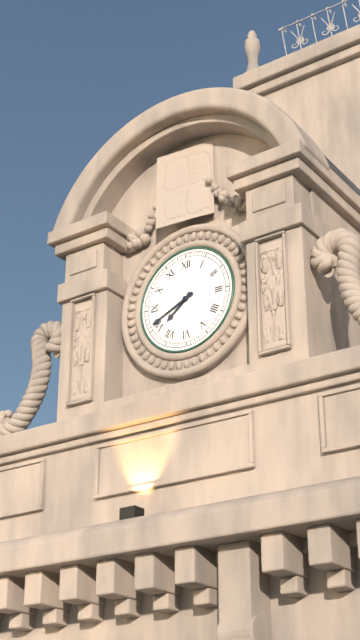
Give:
7h41
